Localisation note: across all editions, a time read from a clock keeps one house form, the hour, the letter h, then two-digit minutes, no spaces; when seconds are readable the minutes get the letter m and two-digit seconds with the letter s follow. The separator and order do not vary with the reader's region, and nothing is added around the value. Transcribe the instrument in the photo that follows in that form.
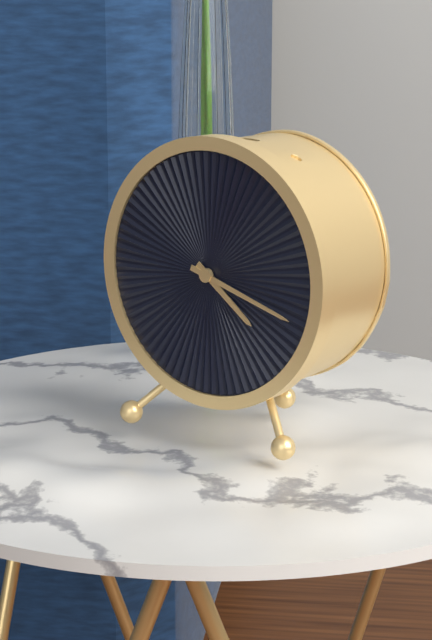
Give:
4h18
